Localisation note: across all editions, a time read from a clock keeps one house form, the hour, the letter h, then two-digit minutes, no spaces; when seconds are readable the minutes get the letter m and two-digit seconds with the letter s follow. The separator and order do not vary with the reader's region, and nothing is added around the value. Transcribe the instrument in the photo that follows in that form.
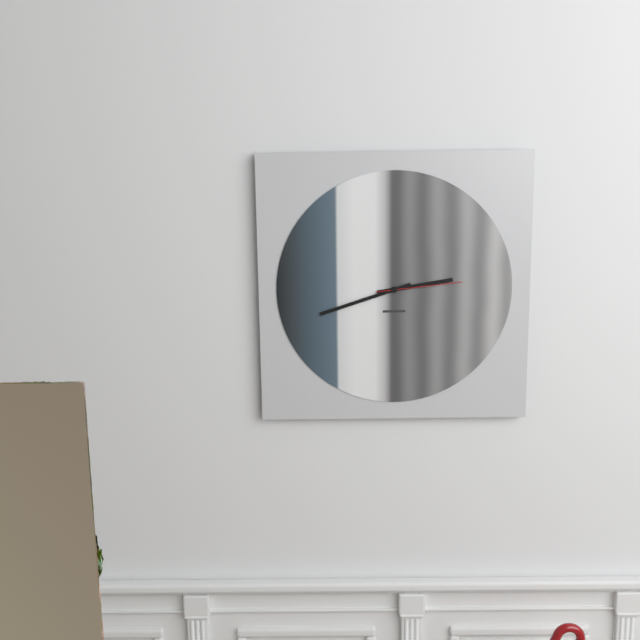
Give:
2h42m14s
